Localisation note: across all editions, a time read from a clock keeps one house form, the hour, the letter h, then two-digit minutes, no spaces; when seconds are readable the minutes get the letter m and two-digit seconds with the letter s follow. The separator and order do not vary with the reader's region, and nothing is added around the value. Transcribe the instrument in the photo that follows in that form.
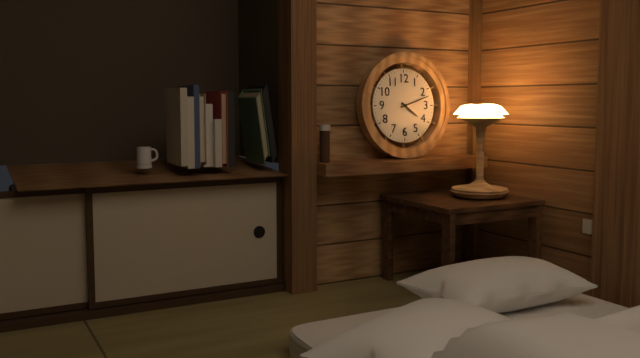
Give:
4h12
